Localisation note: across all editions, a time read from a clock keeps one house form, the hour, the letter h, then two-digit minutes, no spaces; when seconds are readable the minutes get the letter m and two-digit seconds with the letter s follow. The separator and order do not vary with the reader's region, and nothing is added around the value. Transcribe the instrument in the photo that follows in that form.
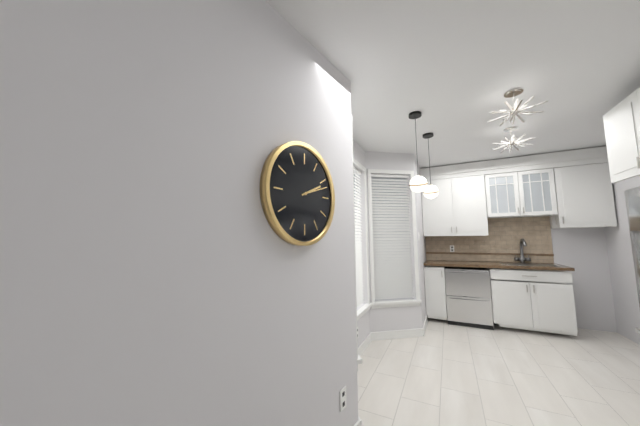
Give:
2h12
